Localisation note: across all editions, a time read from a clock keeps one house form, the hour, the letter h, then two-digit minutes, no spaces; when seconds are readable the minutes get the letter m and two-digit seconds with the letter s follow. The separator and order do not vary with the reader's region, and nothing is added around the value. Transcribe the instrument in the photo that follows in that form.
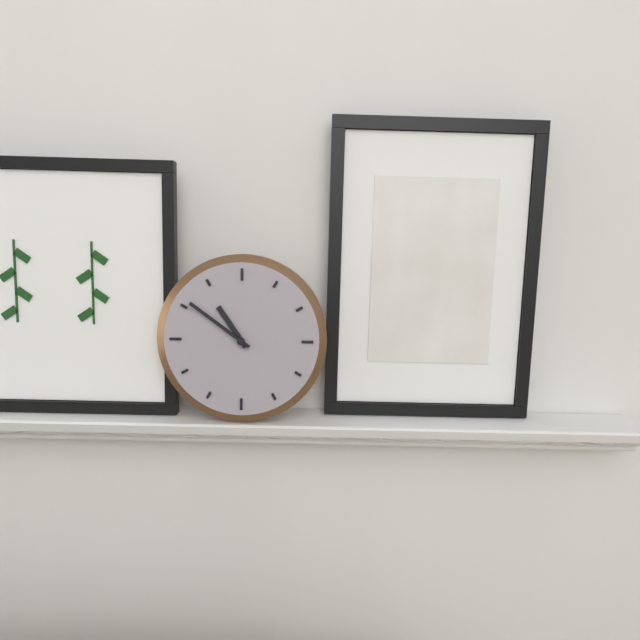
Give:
10h51
